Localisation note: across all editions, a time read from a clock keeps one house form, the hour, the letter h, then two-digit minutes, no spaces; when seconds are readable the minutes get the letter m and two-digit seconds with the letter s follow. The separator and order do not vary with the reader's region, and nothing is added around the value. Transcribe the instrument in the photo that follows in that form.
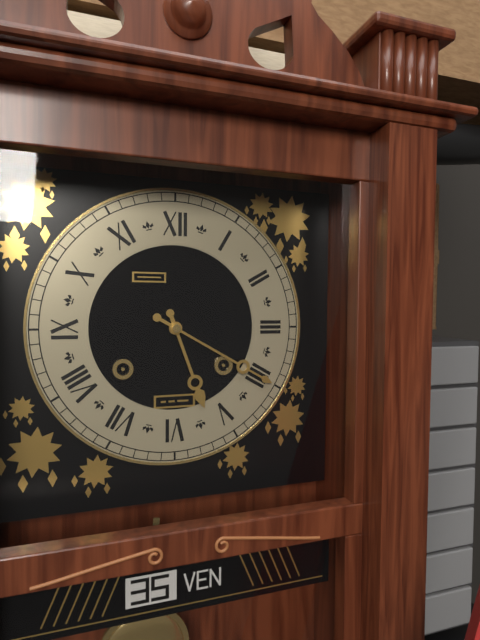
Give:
5h20
